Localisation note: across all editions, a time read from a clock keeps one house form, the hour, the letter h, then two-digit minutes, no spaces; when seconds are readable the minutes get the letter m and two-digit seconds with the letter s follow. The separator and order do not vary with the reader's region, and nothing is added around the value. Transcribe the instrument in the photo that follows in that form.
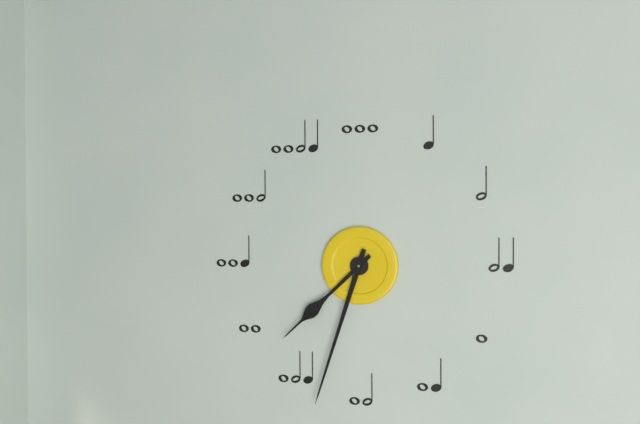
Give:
7h33
